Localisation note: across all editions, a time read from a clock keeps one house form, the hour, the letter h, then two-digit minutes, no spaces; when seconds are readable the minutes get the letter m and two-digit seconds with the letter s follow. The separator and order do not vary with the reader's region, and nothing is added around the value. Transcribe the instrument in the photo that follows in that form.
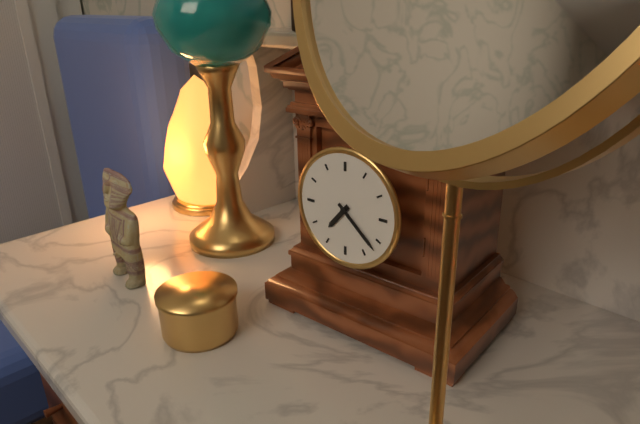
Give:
7h22
